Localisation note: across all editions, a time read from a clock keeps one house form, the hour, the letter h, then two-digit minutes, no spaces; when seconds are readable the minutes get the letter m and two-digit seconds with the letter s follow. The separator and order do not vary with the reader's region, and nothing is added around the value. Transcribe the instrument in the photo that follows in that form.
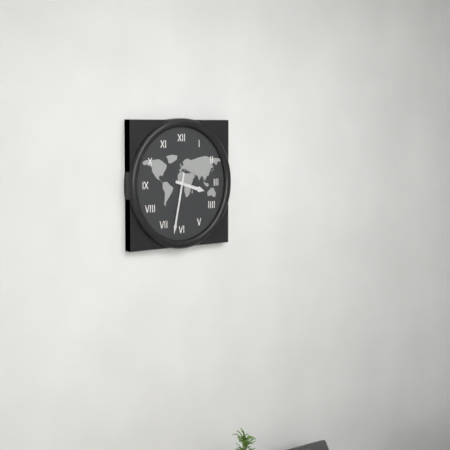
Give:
3h32
